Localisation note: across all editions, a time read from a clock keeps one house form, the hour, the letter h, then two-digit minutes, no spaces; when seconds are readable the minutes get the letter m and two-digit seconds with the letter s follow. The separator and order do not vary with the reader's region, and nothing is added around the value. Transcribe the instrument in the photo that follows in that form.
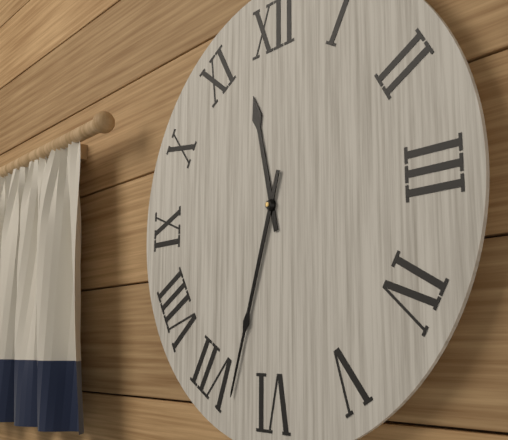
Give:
11h33
